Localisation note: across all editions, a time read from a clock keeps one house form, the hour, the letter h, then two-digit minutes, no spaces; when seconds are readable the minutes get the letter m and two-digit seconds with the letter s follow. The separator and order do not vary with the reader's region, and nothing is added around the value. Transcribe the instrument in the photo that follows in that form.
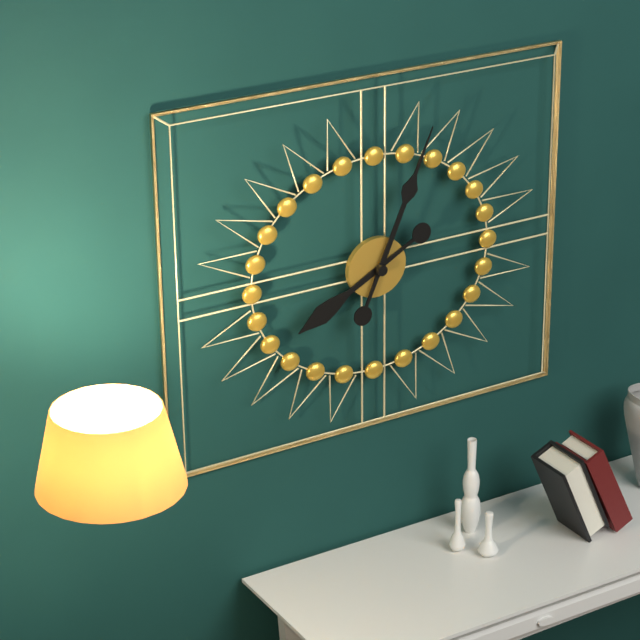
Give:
8h04
